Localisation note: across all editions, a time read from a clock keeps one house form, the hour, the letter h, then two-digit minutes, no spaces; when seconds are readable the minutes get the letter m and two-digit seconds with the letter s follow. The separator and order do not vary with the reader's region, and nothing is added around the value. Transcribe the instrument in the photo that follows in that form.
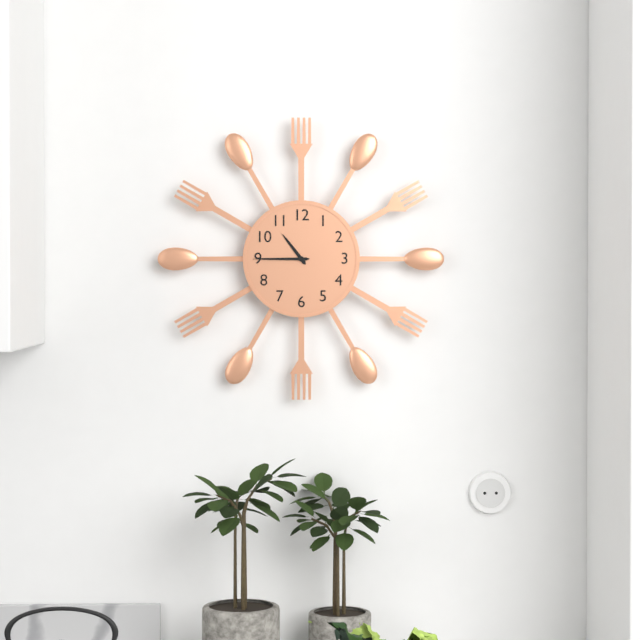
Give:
10h45
